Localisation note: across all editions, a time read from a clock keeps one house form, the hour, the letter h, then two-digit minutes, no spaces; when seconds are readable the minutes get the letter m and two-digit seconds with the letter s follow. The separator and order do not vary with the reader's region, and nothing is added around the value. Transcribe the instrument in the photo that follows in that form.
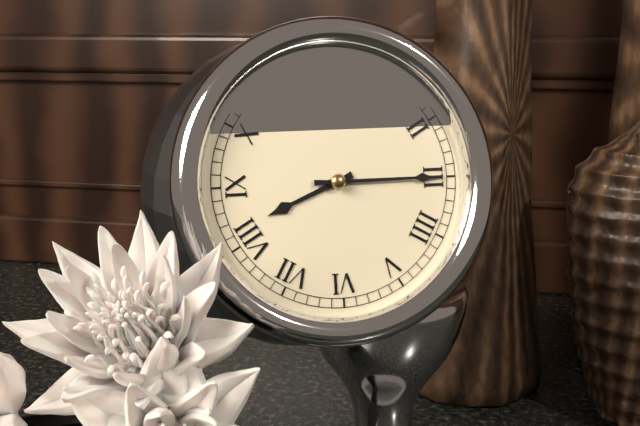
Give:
8h15
